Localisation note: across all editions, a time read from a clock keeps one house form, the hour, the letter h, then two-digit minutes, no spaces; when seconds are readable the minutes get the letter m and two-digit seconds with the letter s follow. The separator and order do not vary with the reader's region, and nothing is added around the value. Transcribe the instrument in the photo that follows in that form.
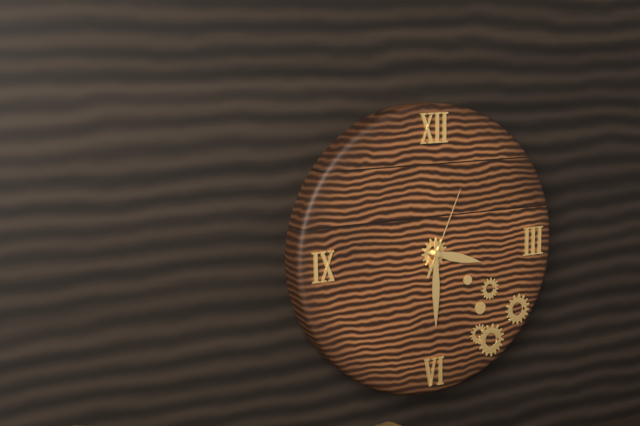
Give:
3h30m04s
